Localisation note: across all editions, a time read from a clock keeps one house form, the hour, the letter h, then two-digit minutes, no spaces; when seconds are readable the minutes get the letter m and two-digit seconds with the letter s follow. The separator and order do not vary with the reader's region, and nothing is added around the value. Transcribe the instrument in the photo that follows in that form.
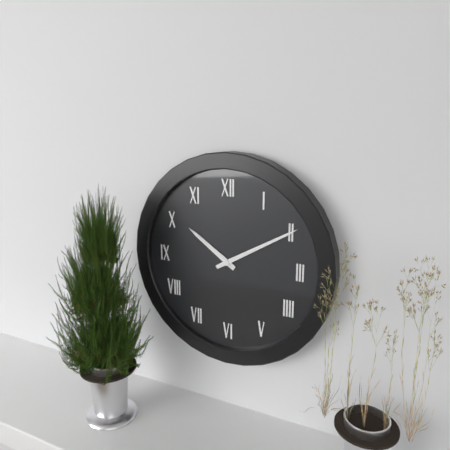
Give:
10h10
